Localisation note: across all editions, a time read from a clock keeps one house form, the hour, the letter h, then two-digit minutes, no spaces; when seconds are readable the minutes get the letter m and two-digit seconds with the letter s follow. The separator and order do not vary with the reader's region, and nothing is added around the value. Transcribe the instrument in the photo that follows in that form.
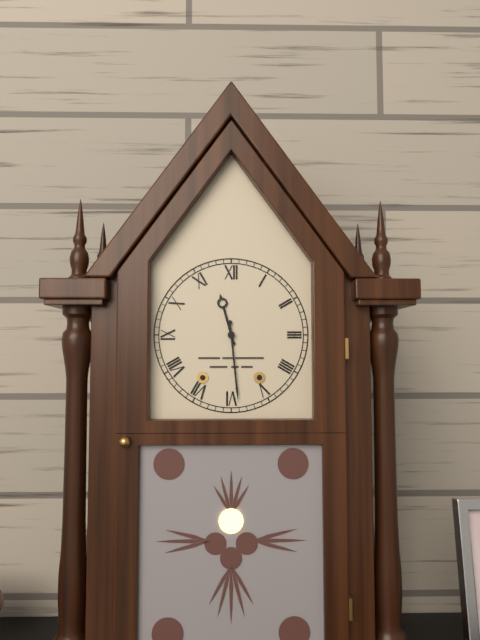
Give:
11h29
